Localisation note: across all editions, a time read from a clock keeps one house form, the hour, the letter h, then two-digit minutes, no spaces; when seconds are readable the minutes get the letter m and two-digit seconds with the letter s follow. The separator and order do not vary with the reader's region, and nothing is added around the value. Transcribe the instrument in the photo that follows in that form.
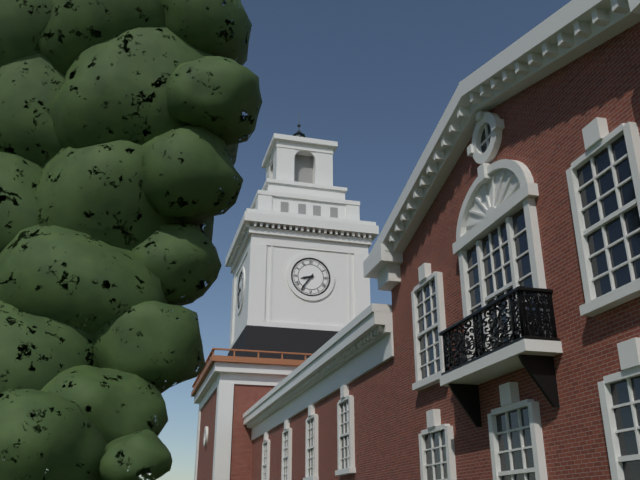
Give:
8h36
